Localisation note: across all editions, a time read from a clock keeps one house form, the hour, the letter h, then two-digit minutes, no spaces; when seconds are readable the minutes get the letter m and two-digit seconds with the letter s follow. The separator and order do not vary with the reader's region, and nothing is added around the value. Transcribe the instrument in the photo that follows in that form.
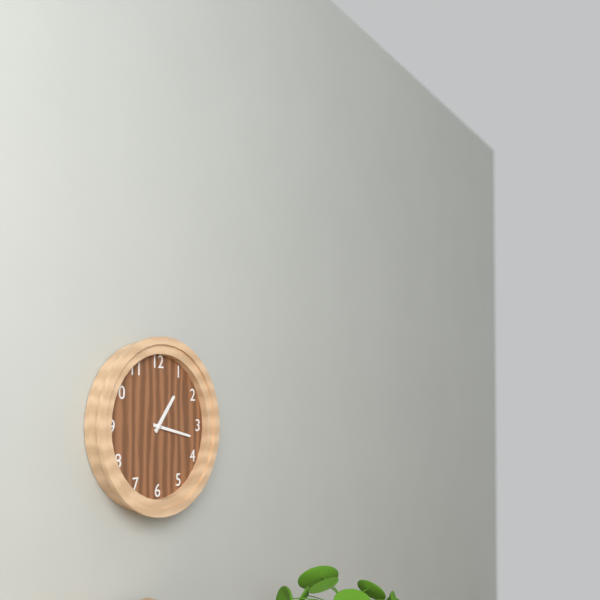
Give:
1h17
